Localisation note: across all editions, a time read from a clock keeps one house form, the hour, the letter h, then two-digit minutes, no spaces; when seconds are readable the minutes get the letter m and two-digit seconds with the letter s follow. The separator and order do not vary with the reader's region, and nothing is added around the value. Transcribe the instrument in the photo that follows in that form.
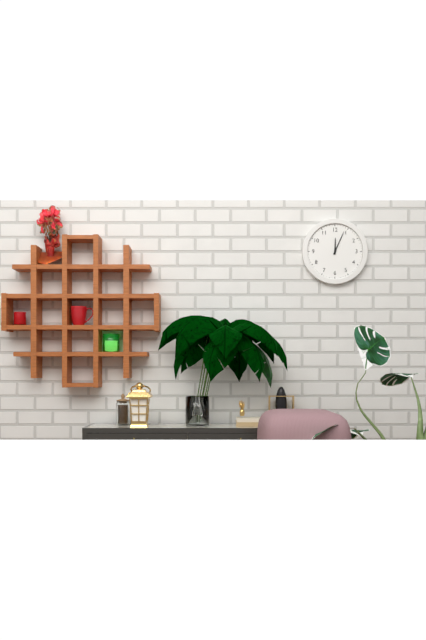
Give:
12h04
